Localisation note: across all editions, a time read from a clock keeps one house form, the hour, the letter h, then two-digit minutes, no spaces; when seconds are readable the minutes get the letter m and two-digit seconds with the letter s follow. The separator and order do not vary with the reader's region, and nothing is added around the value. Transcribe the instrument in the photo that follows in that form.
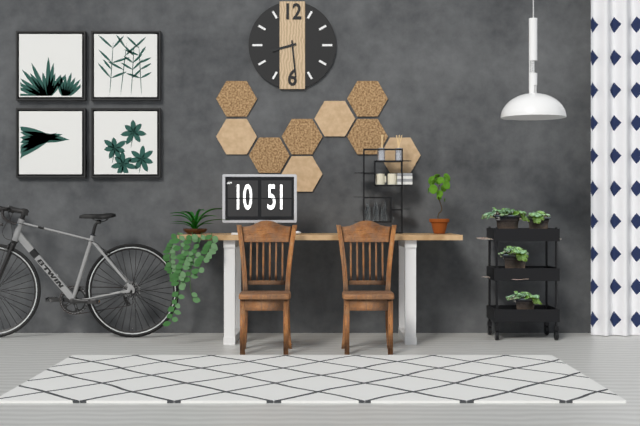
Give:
8h29
